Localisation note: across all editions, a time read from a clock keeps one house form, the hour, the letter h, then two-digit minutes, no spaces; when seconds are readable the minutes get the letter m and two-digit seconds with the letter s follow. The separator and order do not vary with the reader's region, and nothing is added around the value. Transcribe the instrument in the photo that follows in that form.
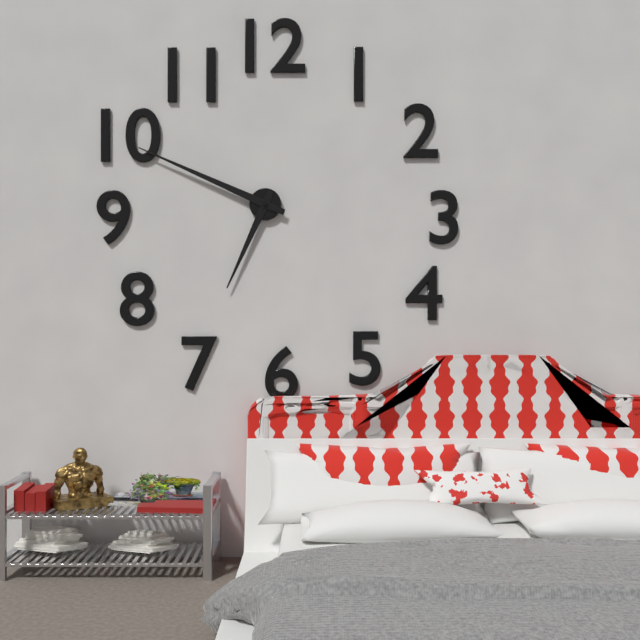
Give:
6h49
